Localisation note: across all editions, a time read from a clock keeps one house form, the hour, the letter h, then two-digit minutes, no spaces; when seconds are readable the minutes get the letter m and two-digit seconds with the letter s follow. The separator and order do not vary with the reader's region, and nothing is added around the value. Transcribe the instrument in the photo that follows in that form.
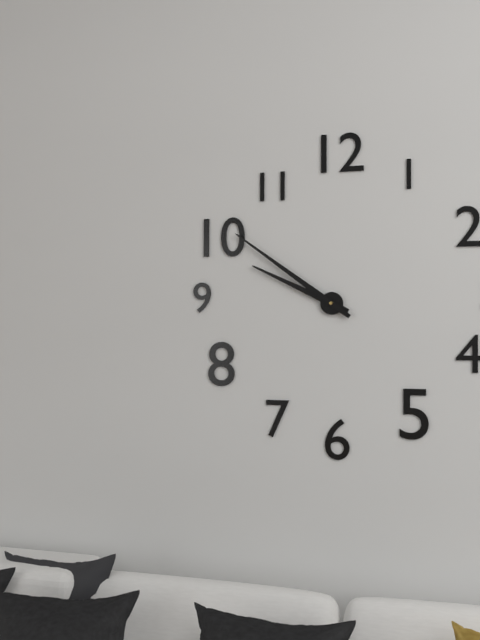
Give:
9h51
